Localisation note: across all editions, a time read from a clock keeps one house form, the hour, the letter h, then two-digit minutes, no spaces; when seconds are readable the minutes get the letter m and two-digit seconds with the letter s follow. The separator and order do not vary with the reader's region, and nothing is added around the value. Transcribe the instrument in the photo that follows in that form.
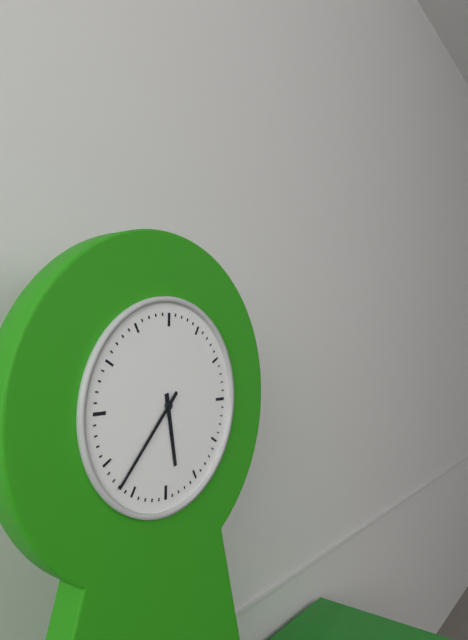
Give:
5h37
